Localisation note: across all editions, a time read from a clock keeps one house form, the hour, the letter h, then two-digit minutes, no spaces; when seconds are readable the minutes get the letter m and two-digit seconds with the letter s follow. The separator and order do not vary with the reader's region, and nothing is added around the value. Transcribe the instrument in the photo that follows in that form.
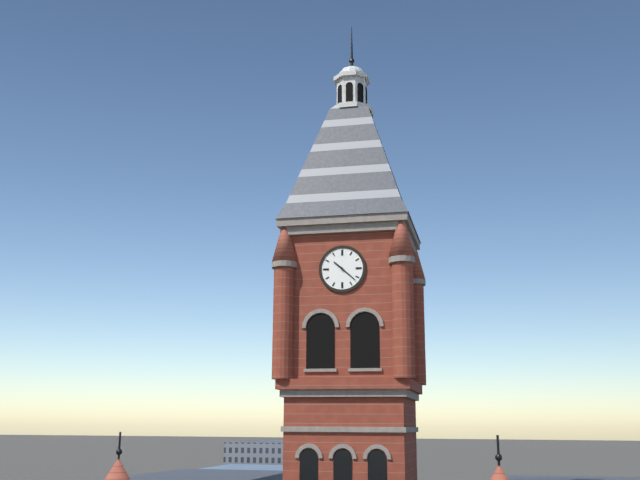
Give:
10h22
